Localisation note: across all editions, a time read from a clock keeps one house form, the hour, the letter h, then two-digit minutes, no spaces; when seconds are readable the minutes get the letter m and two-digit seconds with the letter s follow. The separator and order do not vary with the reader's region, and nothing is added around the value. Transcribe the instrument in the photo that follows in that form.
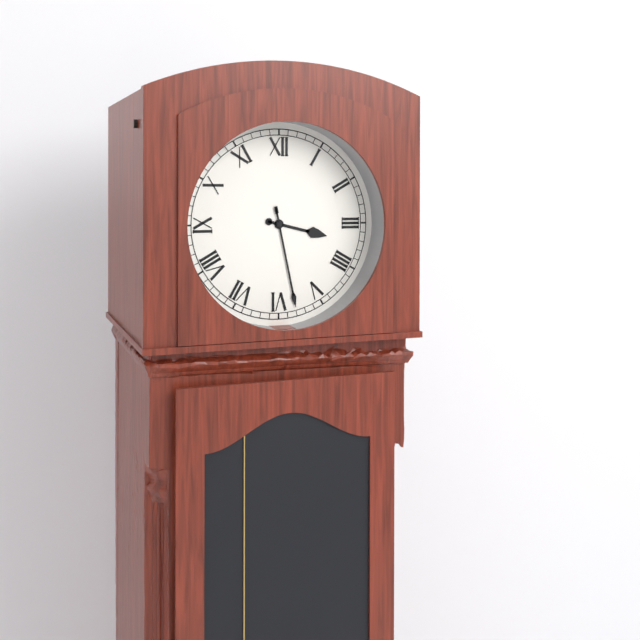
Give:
3h28
